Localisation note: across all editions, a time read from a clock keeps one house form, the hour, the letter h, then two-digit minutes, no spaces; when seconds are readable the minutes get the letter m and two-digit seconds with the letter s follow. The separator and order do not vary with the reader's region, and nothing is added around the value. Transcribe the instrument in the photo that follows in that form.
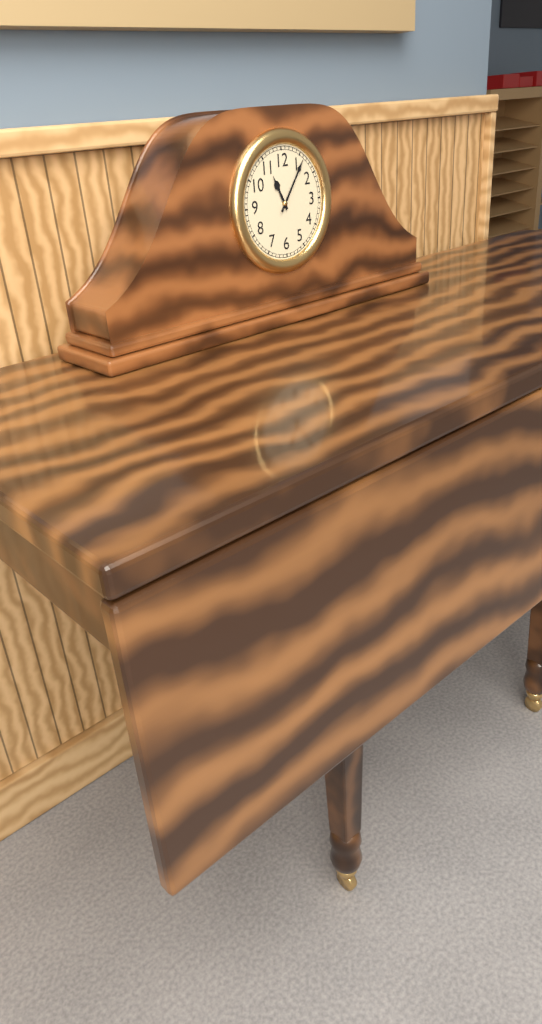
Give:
11h06
